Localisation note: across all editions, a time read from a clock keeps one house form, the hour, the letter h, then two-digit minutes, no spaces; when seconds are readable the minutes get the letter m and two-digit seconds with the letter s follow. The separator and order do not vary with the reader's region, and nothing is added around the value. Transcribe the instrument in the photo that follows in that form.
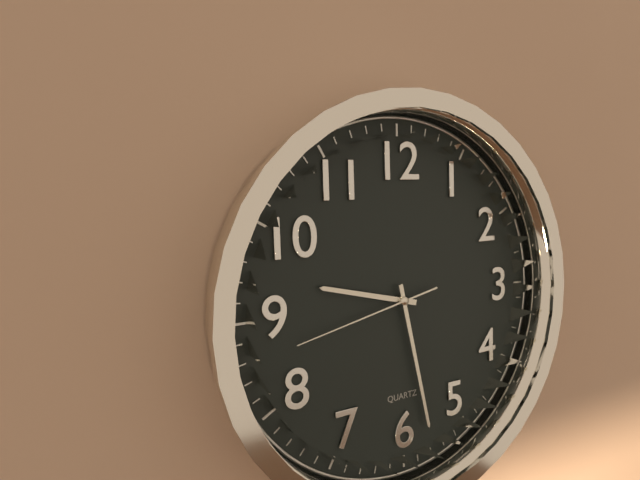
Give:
9h28m43s
